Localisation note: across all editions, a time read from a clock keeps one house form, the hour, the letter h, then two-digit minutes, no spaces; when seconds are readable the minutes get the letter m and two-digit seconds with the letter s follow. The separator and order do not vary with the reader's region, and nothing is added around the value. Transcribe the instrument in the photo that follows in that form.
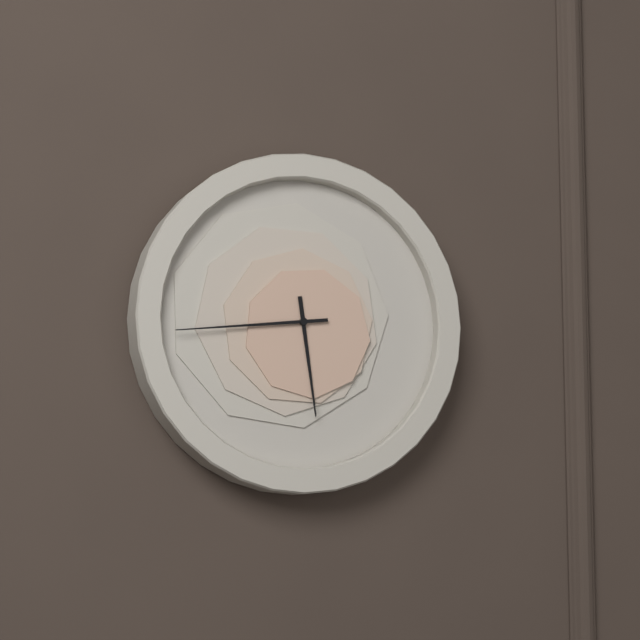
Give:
5h44
